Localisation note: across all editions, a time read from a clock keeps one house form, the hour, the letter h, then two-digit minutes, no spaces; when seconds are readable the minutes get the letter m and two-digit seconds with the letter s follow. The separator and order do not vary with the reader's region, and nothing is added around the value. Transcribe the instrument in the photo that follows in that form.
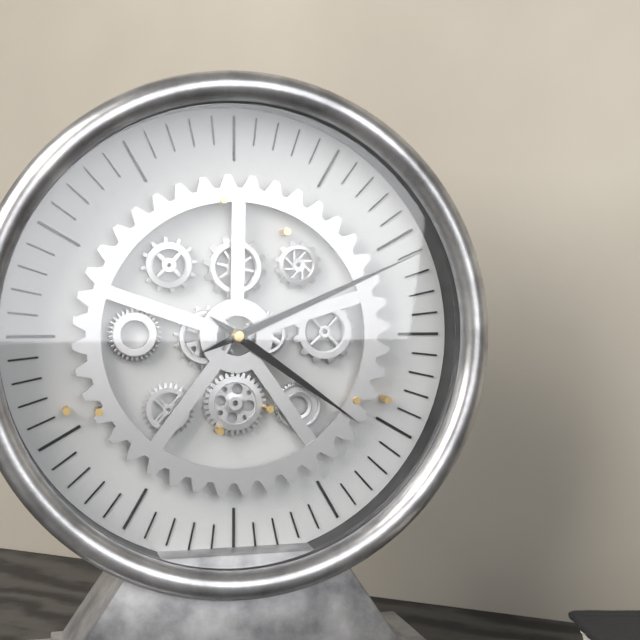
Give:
4h11
